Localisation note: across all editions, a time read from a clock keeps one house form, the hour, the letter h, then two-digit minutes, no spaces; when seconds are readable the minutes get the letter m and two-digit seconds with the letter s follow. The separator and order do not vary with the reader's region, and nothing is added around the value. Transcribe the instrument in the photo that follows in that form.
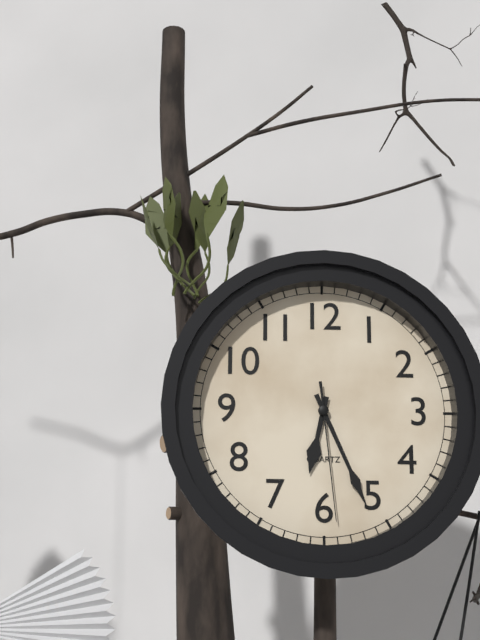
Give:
6h26m29s
